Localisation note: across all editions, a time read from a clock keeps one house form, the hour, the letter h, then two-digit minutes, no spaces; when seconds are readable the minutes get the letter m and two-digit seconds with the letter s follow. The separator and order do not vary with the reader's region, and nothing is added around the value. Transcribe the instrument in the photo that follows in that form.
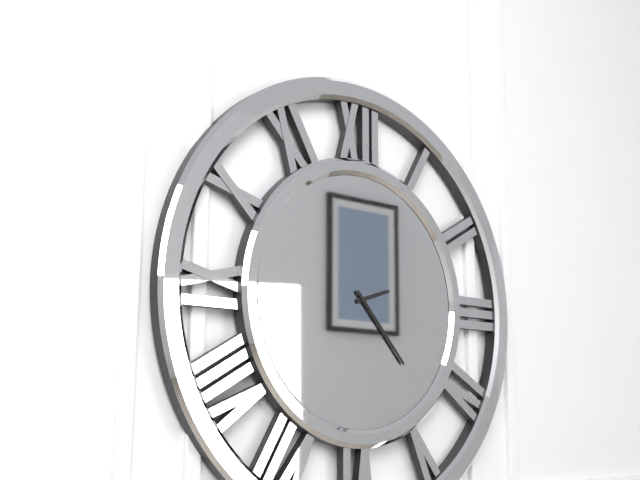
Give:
2h23
